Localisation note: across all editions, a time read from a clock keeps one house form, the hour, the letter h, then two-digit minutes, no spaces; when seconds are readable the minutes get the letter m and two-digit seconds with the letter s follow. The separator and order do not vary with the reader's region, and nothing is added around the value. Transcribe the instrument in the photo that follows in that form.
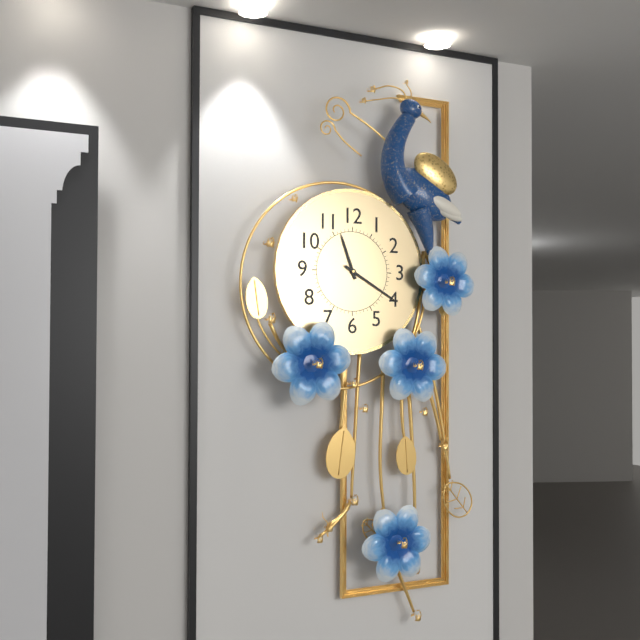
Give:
11h20
